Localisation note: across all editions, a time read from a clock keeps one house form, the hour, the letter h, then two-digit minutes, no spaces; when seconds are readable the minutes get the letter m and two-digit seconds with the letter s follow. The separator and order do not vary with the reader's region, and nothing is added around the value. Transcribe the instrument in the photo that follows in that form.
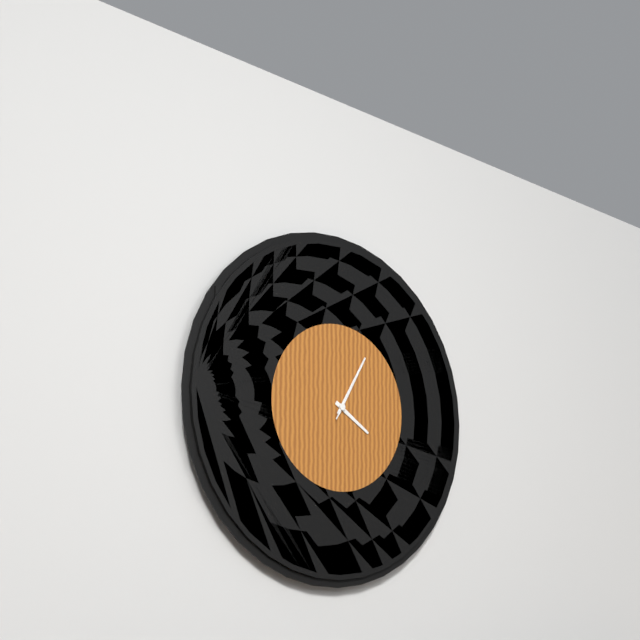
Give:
4h05m05s
